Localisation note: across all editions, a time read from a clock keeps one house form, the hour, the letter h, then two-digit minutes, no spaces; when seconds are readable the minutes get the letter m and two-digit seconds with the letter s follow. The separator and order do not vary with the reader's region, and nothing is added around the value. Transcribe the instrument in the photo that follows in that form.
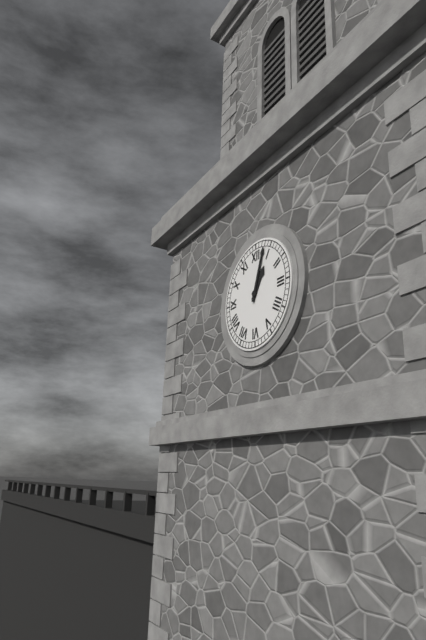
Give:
1h03
